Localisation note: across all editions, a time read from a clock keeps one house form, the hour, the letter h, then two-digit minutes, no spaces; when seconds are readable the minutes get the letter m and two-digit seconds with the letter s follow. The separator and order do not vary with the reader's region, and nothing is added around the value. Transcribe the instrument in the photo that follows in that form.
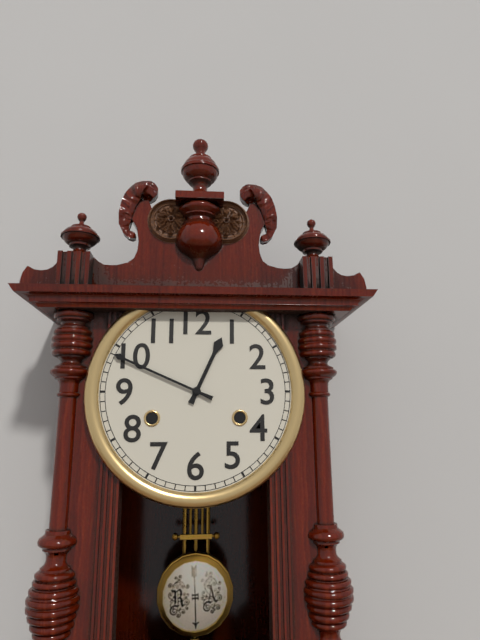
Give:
12h49
